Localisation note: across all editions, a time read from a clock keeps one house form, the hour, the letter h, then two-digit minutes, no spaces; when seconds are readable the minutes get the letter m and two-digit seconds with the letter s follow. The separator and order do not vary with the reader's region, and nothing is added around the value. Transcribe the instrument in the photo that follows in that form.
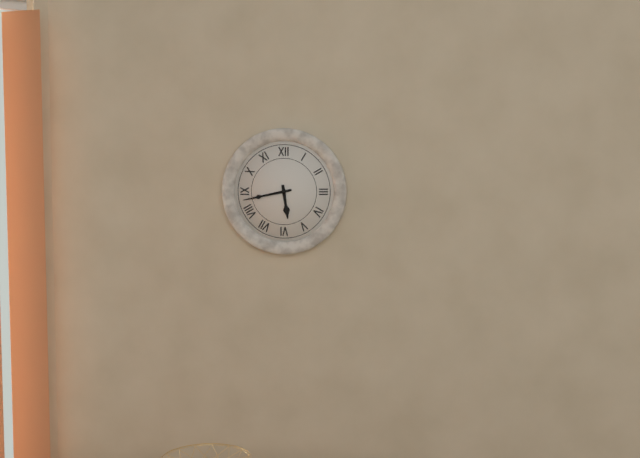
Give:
5h43
